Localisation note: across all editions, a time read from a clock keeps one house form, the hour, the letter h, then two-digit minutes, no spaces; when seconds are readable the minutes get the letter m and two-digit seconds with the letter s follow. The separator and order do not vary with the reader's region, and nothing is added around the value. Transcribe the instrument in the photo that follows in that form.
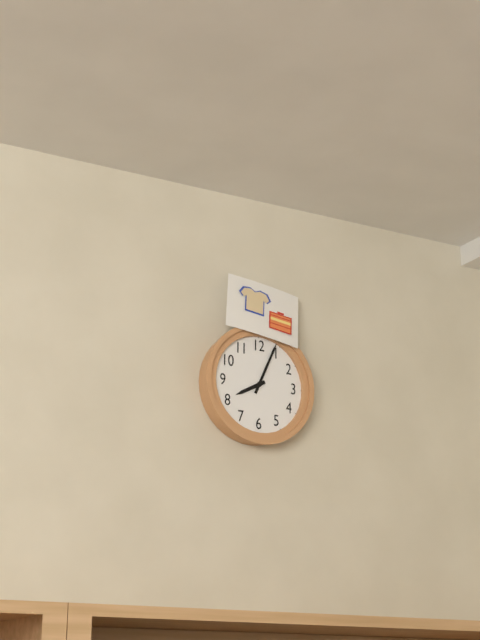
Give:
8h04
